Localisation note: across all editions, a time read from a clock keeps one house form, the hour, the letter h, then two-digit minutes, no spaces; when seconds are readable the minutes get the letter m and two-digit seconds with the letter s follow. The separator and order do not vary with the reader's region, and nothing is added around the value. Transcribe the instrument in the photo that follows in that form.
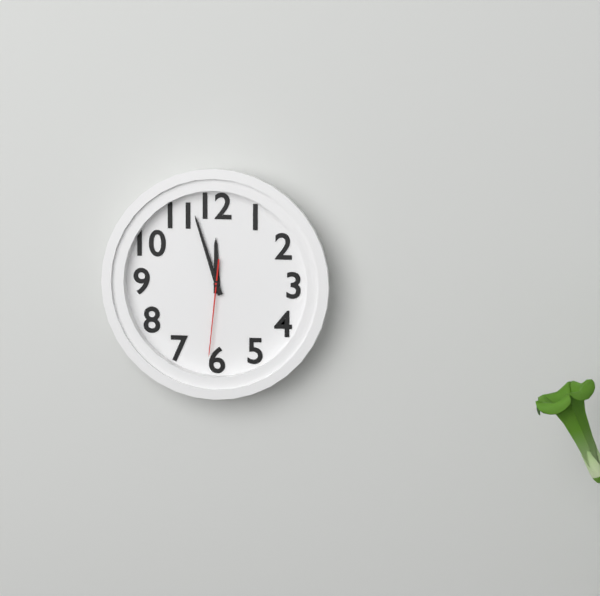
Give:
11h57m31s
